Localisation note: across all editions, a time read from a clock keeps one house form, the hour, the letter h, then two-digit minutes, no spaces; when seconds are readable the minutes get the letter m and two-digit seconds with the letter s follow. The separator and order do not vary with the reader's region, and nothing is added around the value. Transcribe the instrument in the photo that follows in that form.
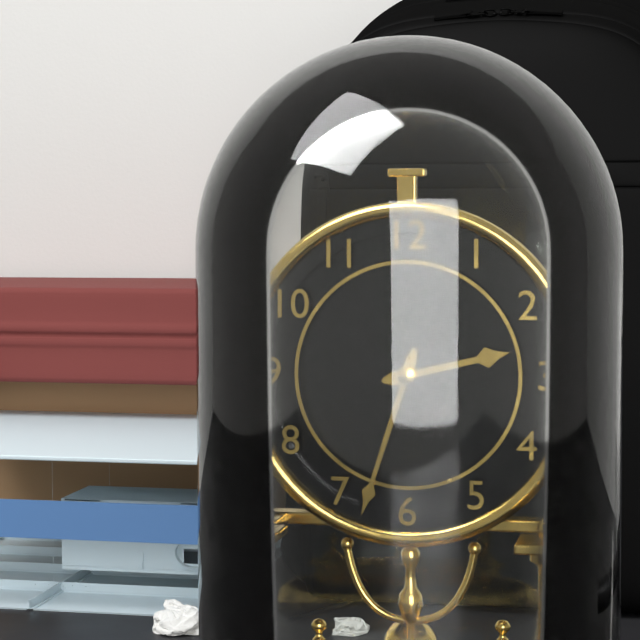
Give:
2h33
